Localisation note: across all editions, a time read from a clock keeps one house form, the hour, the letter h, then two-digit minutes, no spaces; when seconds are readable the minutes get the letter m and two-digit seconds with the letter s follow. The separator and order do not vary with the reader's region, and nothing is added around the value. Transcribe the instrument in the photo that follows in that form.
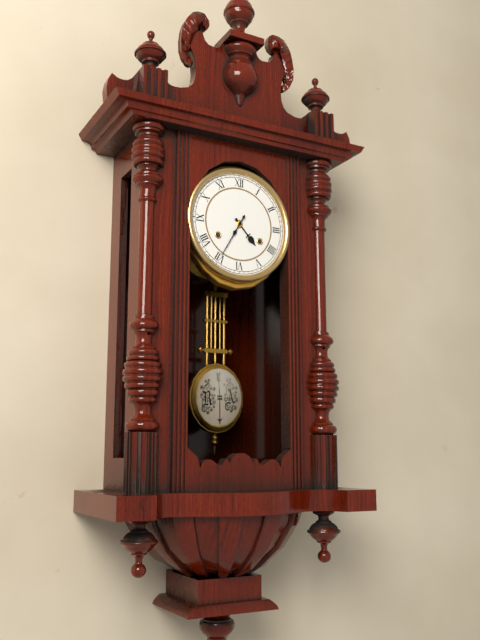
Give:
4h35
